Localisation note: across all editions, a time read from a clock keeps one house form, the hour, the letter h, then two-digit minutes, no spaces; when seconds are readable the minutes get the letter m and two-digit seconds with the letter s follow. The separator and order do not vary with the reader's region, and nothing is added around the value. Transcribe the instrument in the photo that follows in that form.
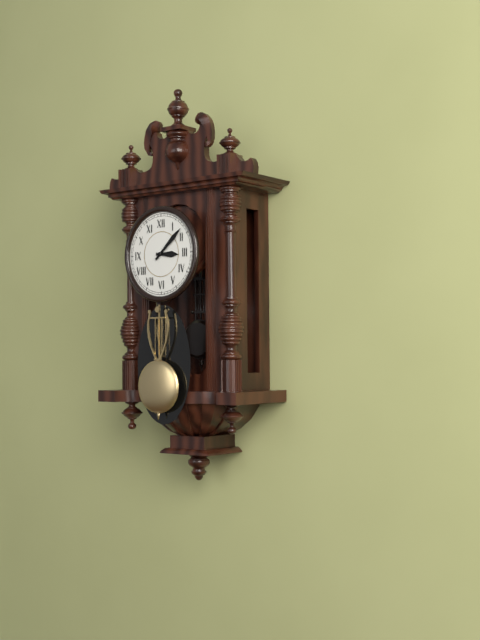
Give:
3h08
